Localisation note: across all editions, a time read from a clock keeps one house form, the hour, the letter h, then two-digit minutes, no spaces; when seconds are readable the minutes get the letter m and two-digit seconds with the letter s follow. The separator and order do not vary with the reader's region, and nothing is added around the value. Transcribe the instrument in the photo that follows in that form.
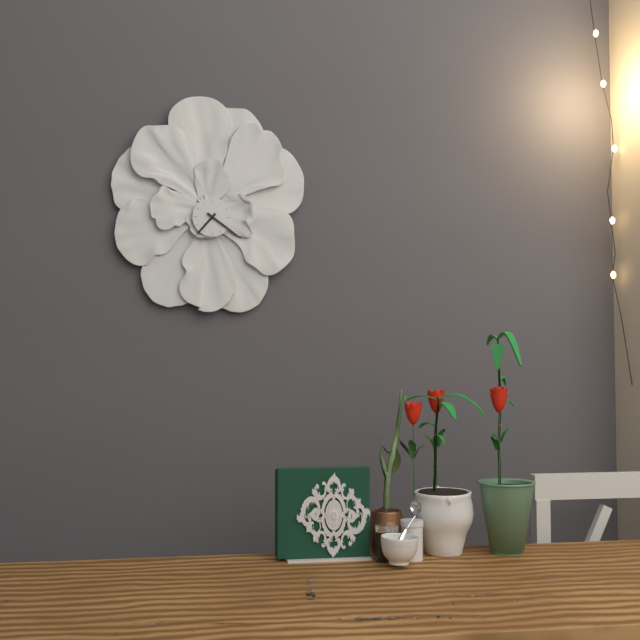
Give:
7h21
